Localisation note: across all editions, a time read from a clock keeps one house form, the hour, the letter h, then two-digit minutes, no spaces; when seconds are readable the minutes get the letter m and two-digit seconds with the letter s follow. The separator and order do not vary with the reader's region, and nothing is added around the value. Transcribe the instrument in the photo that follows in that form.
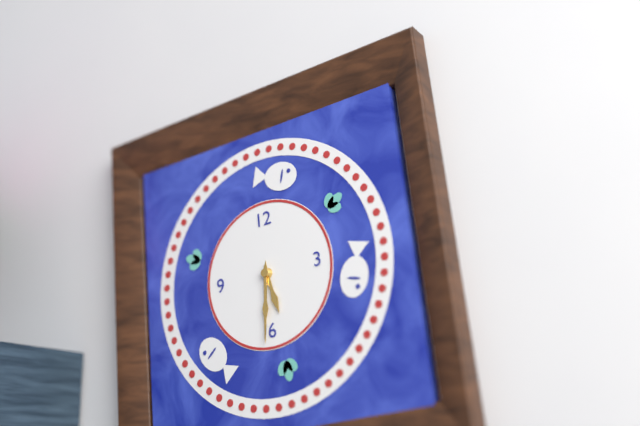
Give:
5h31
